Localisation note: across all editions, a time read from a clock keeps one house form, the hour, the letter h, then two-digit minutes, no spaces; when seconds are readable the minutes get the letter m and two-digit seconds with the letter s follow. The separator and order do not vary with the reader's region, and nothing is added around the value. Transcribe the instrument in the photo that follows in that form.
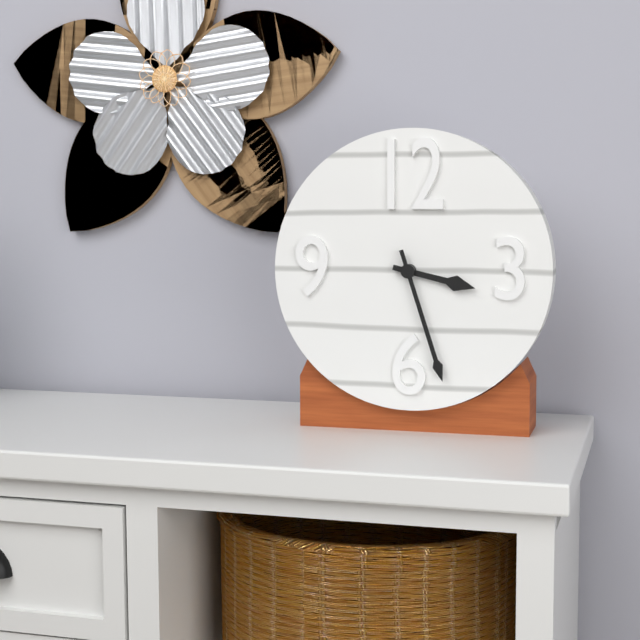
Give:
3h27
